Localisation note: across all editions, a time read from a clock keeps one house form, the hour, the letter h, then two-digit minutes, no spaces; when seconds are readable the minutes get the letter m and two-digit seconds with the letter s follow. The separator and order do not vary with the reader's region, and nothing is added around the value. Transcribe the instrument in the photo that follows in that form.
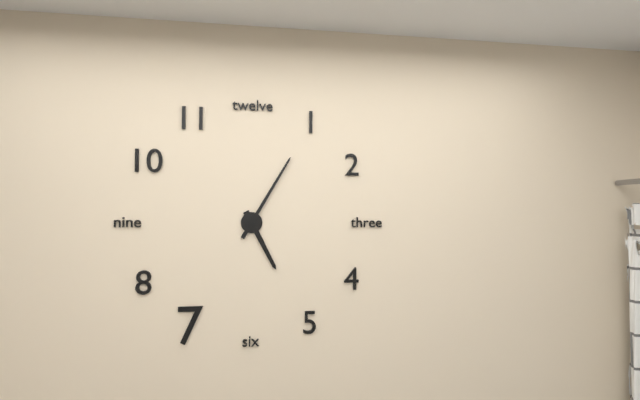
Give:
5h05
